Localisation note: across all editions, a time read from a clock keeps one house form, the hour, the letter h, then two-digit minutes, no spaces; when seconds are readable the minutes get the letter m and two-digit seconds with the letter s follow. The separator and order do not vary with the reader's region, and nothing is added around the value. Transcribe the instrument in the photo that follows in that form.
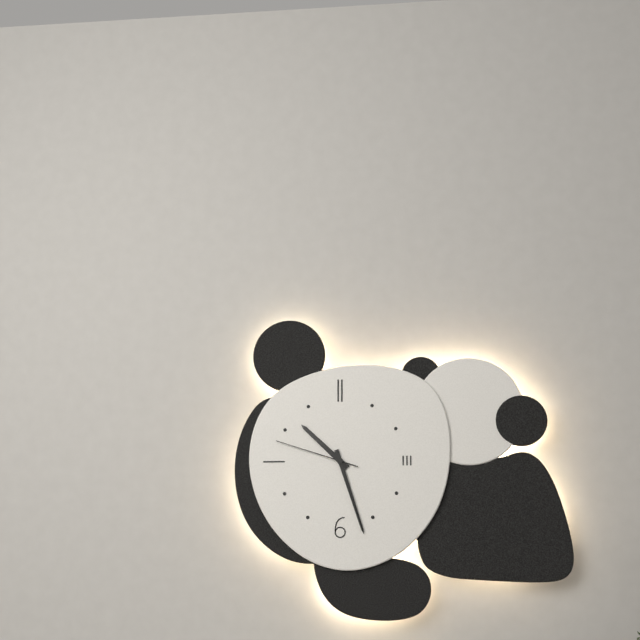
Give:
10h27m48s
